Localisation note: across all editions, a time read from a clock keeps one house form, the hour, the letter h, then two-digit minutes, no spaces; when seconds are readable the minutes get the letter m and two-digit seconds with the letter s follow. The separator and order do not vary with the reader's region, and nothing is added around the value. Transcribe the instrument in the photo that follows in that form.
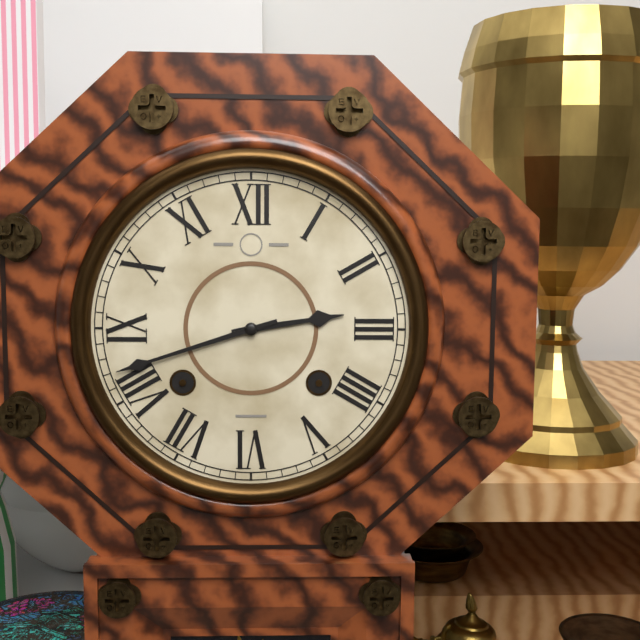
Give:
2h42
